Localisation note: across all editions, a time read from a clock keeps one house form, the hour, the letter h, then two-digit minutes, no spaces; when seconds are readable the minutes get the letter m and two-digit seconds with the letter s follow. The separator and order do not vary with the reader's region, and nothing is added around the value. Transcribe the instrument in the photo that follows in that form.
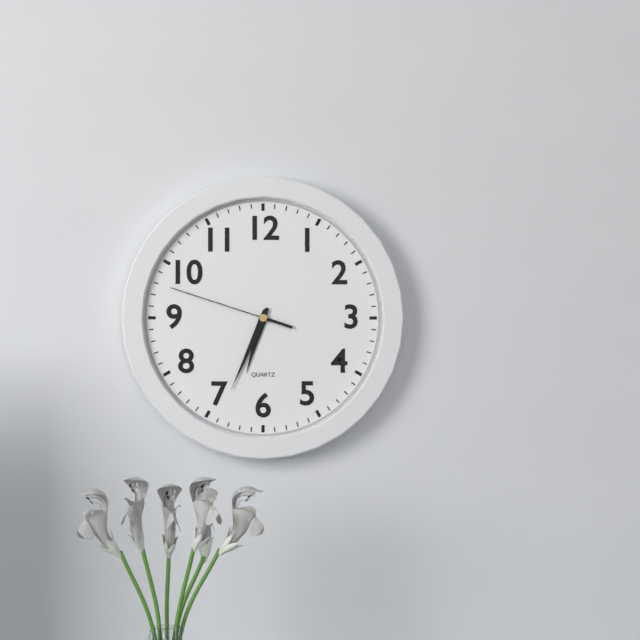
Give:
6h34m48s
